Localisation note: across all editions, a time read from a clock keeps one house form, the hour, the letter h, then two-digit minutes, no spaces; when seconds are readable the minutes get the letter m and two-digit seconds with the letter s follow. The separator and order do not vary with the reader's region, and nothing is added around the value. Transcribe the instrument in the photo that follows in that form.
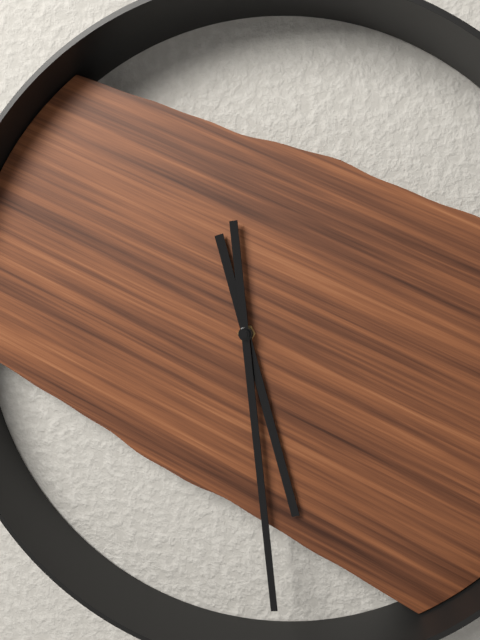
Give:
5h29
